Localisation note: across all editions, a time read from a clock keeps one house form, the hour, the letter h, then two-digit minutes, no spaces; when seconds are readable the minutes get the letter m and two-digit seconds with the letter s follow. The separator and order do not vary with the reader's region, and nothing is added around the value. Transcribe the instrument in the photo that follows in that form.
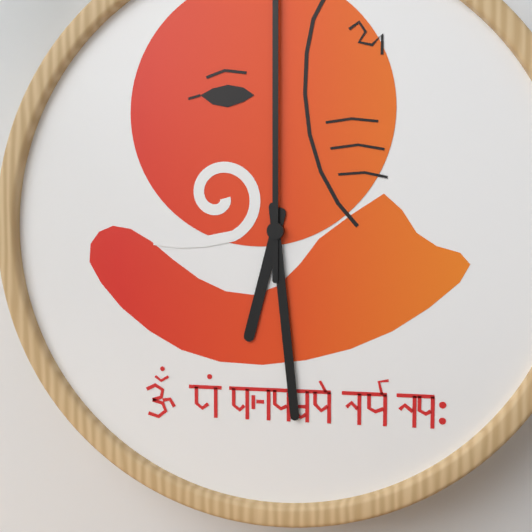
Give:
6h29
